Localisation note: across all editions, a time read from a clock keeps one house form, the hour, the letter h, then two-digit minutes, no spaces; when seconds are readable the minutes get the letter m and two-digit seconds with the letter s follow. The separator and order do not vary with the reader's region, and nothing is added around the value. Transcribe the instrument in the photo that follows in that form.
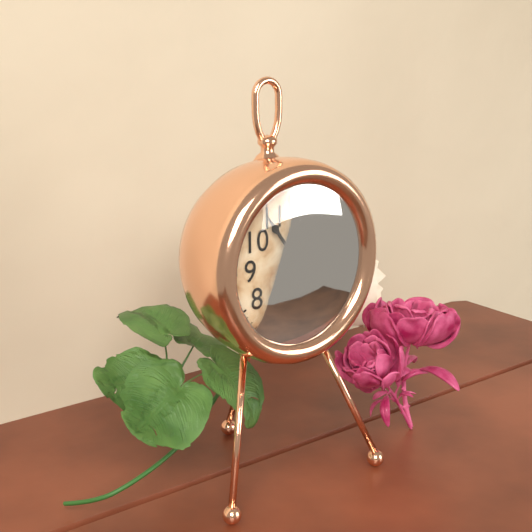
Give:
11h54
